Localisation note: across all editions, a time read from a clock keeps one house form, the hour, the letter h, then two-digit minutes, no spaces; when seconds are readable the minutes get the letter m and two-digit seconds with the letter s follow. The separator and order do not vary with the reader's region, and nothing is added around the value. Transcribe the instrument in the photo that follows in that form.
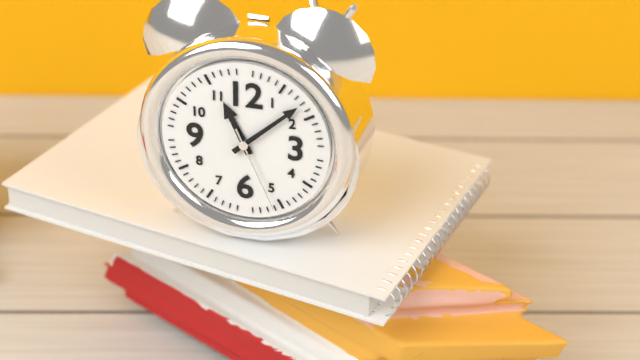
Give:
11h08m26s
